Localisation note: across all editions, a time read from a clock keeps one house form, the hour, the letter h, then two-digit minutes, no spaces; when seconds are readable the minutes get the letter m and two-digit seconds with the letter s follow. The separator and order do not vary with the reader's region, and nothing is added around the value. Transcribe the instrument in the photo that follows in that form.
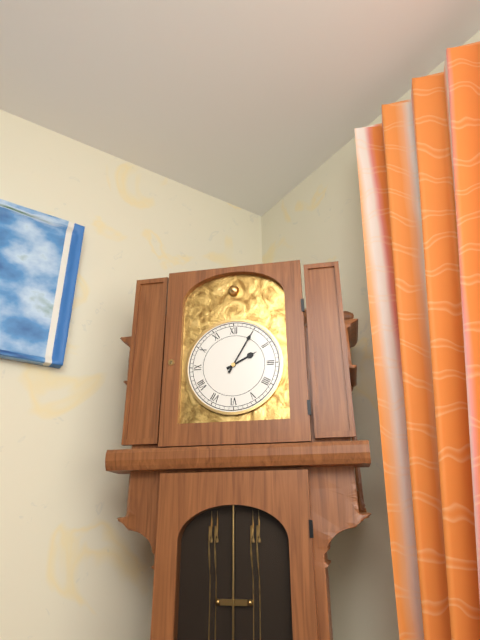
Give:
2h05
